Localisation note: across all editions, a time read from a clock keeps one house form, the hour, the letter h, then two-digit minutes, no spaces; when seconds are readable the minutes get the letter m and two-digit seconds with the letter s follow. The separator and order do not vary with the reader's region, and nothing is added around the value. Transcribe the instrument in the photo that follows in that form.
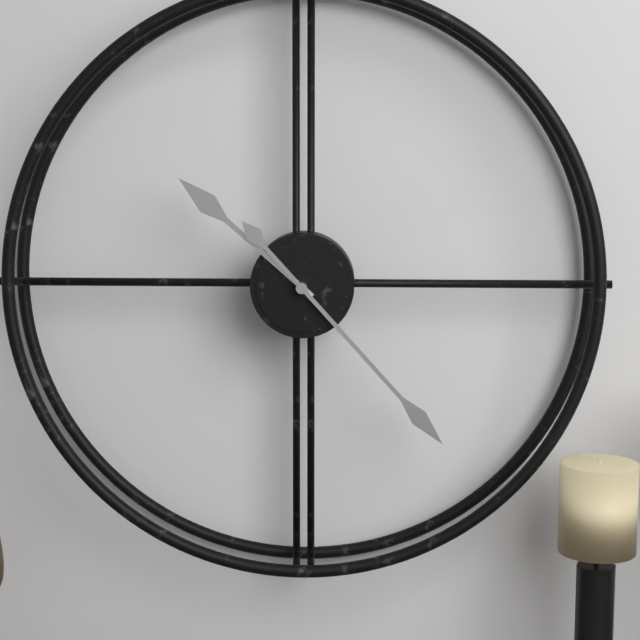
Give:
10h23
